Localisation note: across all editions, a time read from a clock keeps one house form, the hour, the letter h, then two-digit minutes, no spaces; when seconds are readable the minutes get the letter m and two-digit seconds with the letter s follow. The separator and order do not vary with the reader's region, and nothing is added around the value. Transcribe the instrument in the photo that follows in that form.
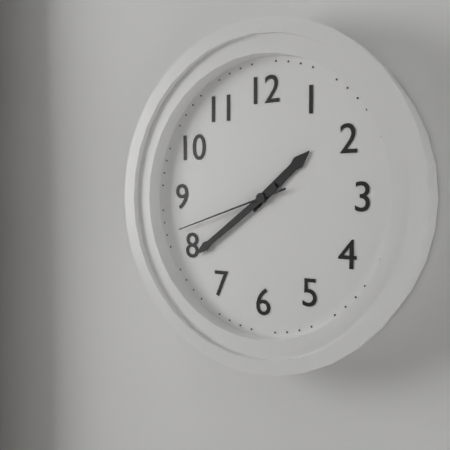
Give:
1h39m42s
